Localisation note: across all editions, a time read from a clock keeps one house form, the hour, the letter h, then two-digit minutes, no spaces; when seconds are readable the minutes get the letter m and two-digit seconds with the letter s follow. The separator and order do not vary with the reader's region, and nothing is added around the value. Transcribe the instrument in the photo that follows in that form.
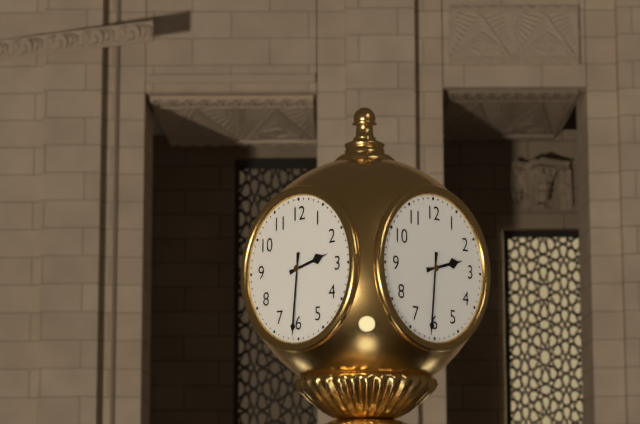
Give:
2h31
